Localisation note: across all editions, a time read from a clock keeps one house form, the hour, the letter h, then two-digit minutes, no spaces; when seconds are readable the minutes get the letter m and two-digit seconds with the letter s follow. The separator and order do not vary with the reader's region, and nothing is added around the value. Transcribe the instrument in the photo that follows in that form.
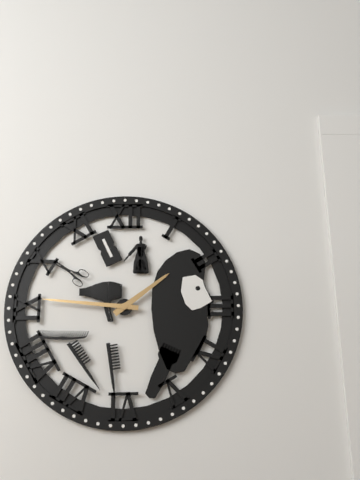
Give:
1h46
